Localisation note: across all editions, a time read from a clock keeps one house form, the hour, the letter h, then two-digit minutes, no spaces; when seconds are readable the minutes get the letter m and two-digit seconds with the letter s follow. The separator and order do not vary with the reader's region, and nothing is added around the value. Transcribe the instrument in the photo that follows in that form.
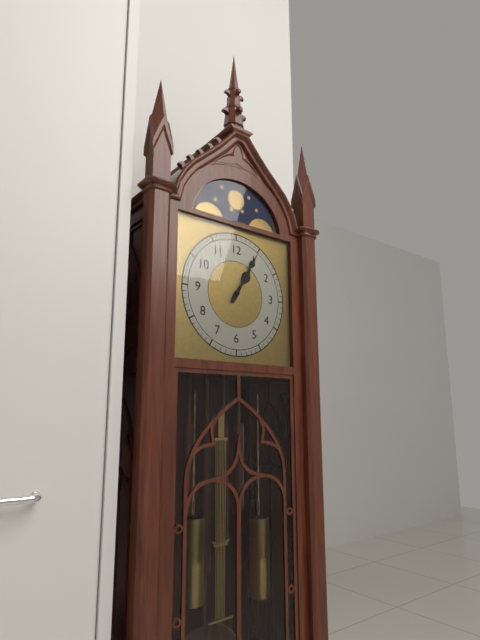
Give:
1h05
